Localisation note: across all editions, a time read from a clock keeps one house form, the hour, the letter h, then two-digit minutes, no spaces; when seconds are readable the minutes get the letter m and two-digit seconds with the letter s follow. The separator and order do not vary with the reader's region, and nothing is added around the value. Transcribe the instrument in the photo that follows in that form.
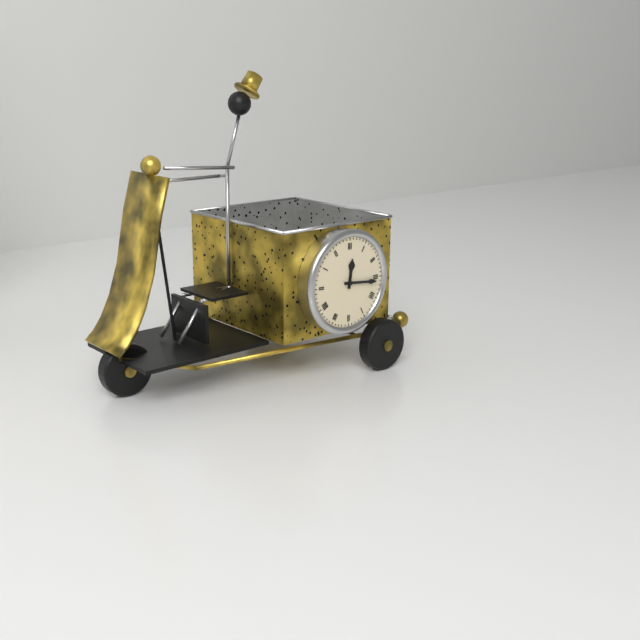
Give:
12h16
